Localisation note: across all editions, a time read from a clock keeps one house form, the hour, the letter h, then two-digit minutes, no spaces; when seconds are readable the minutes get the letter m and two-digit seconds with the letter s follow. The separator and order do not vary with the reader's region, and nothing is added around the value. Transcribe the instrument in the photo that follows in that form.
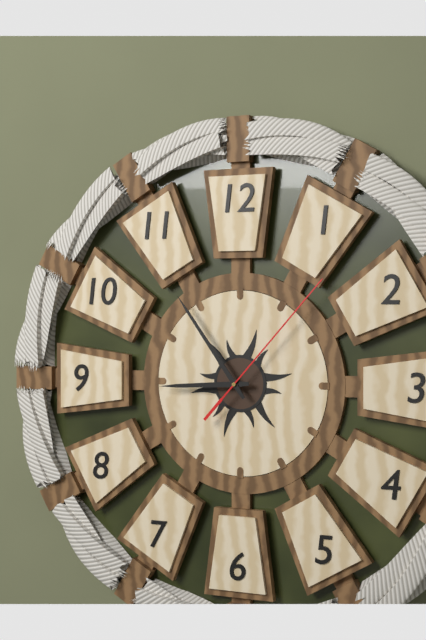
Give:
8h54m07s
